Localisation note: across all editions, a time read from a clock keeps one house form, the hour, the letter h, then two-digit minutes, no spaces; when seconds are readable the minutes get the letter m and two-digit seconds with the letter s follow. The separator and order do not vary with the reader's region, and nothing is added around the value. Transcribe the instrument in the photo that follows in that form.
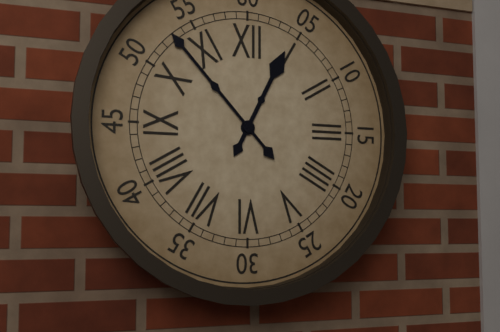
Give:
12h53
